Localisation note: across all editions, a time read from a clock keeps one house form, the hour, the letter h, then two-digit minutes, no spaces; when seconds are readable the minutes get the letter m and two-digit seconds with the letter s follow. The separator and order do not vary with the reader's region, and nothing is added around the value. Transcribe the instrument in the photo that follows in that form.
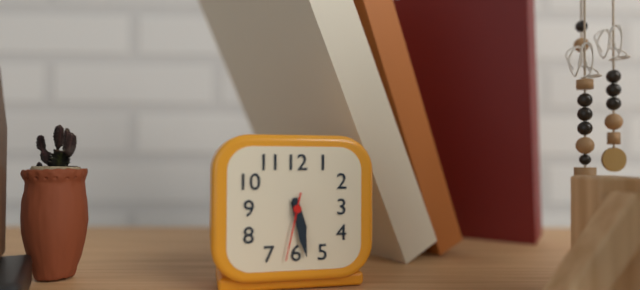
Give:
5h28m32s
